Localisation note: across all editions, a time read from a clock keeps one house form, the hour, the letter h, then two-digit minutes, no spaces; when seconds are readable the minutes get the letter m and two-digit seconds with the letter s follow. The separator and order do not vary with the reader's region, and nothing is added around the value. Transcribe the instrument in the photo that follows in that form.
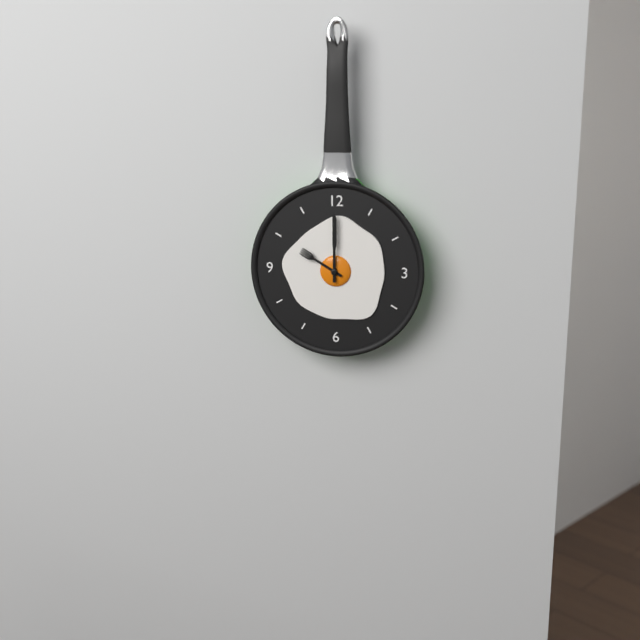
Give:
10h00
